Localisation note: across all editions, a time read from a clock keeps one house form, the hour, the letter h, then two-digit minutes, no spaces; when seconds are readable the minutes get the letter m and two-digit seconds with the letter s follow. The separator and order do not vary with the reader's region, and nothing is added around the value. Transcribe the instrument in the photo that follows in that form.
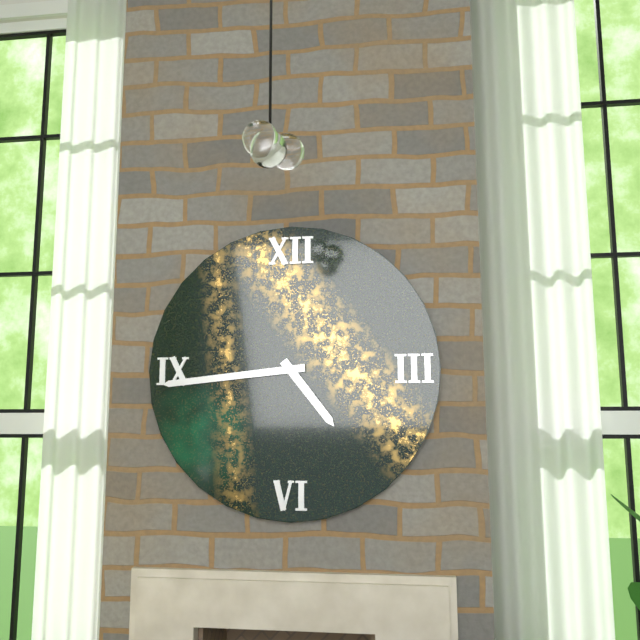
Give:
4h44
